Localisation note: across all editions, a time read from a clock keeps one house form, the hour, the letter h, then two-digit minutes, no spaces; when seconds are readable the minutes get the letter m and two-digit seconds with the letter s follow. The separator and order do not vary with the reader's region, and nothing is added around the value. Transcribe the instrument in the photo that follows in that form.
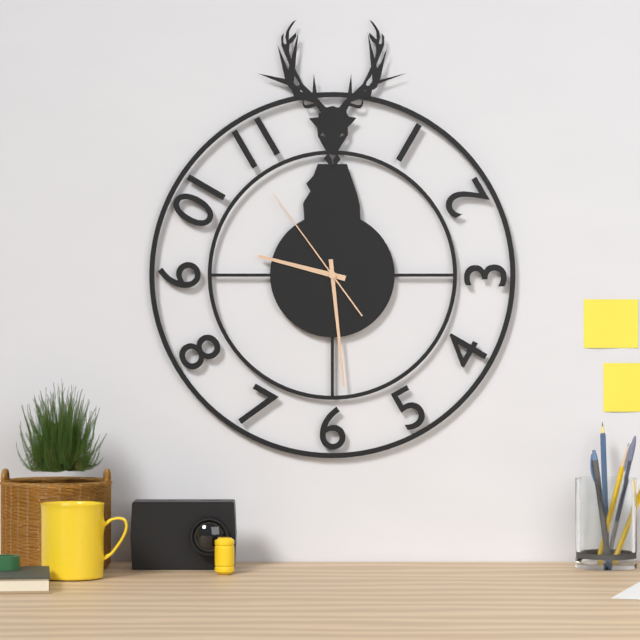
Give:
9h29m54s
